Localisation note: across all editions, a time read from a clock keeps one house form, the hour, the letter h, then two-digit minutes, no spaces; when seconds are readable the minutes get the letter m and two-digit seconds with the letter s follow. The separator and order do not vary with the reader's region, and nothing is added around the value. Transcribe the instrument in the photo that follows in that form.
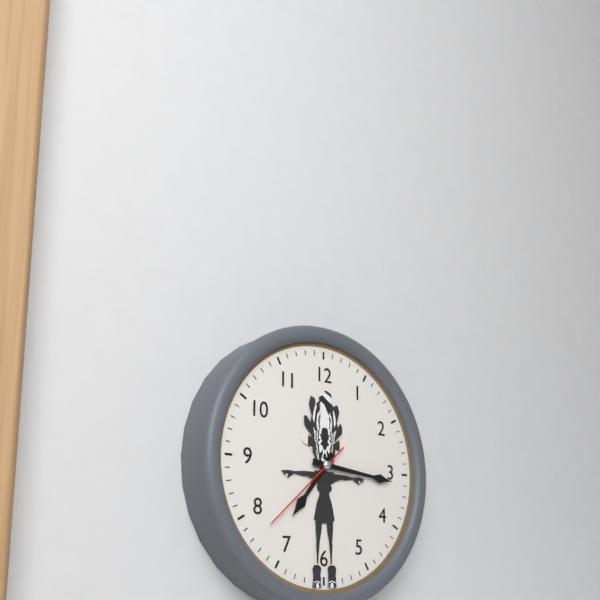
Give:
7h16m38s
